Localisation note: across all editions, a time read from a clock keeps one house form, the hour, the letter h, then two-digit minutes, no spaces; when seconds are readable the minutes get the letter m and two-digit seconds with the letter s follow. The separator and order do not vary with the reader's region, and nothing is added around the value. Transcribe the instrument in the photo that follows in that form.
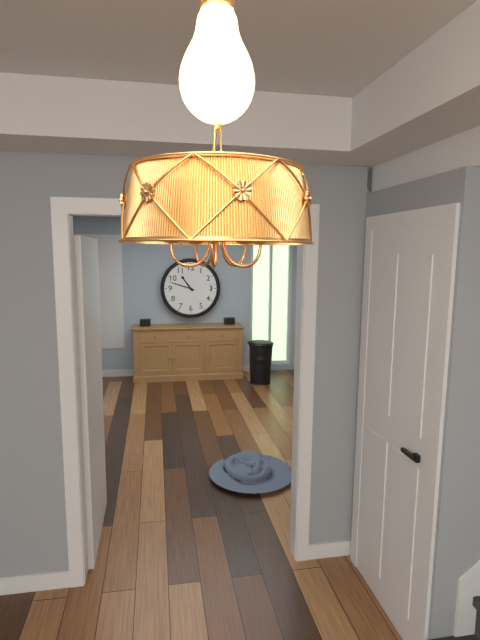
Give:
10h48
